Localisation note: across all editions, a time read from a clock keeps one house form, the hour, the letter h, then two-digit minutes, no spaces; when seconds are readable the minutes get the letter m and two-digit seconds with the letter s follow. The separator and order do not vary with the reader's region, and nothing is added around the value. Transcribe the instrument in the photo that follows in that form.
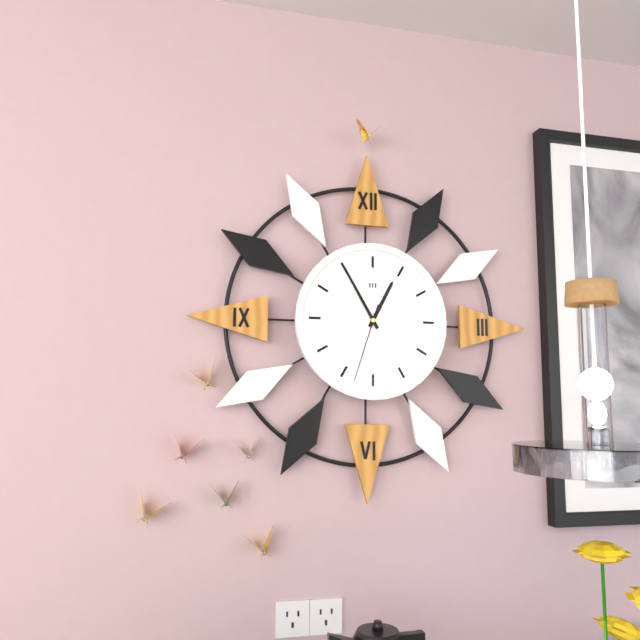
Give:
12h55m33s
